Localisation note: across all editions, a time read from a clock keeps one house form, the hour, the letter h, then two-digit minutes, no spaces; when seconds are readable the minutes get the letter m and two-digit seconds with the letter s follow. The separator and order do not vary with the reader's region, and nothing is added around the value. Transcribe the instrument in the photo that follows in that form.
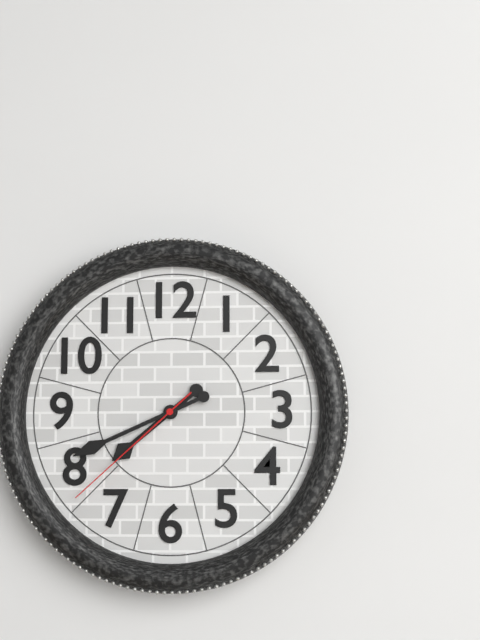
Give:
7h41m38s
